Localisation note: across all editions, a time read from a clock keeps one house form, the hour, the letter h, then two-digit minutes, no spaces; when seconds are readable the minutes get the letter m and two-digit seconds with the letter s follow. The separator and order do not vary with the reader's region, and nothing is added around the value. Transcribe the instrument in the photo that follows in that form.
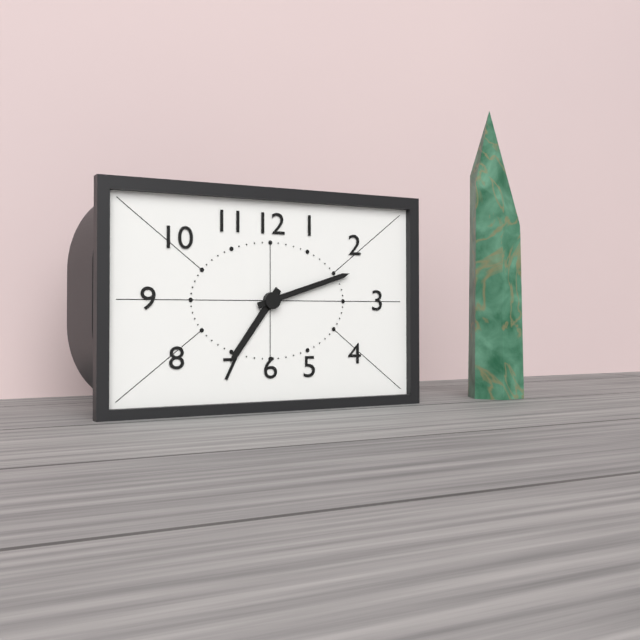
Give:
7h12
